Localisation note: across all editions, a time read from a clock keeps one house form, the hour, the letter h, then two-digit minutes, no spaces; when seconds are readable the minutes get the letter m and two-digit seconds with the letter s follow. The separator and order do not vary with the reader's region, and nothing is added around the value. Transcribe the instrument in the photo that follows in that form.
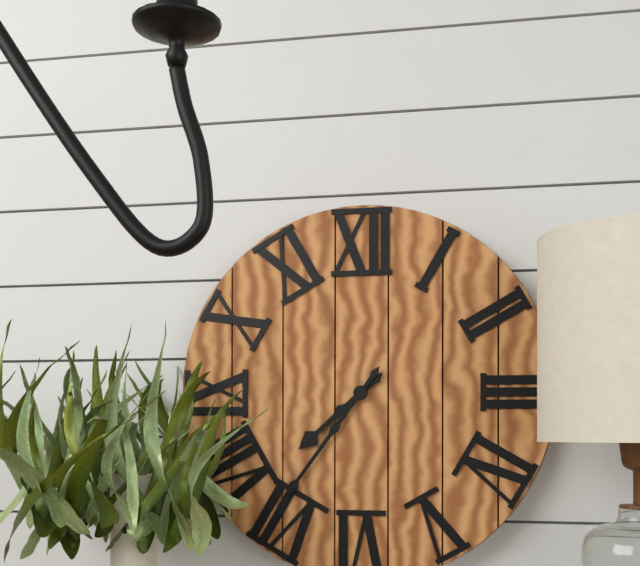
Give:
7h36
